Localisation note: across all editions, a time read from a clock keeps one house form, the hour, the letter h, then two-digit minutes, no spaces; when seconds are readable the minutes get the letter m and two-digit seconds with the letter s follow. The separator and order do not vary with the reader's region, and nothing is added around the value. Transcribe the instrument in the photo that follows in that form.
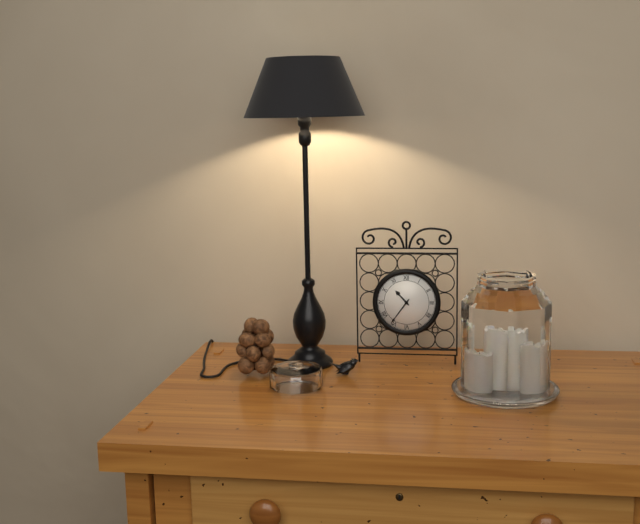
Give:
10h36
